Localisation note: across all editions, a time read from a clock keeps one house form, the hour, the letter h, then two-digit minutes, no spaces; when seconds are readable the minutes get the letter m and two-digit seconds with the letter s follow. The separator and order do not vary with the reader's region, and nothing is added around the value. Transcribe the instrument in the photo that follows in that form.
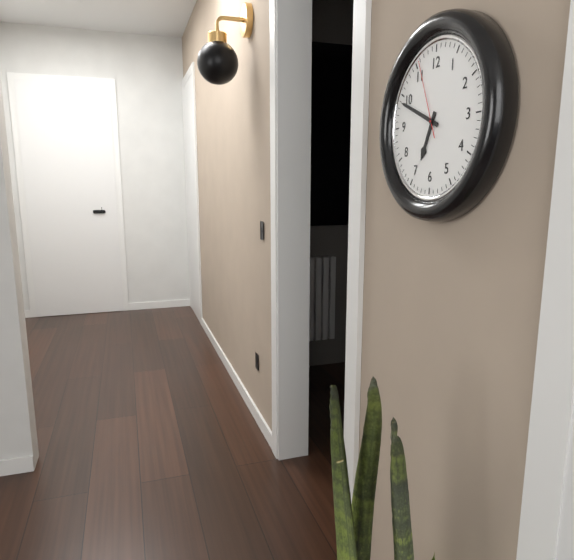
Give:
6h49m56s
